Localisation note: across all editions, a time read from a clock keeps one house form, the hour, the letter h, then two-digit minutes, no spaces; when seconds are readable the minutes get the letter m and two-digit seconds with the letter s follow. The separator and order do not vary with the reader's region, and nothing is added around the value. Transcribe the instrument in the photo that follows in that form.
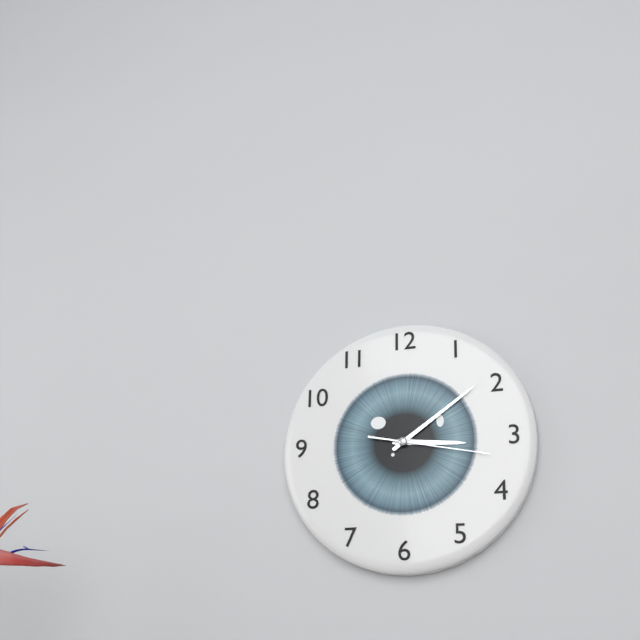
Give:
3h09m17s
